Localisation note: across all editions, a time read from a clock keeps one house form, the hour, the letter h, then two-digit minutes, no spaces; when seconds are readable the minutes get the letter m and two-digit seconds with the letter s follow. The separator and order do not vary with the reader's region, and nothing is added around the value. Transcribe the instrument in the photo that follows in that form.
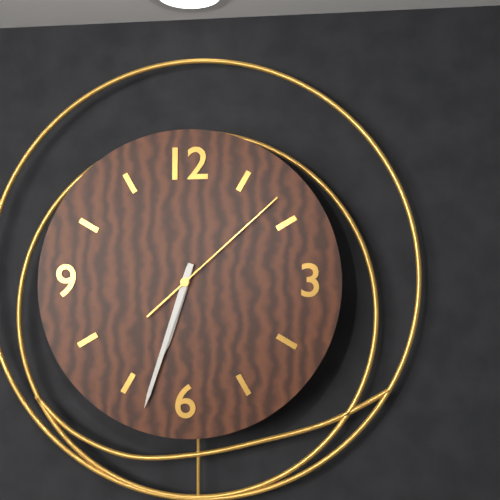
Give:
6h33m08s
